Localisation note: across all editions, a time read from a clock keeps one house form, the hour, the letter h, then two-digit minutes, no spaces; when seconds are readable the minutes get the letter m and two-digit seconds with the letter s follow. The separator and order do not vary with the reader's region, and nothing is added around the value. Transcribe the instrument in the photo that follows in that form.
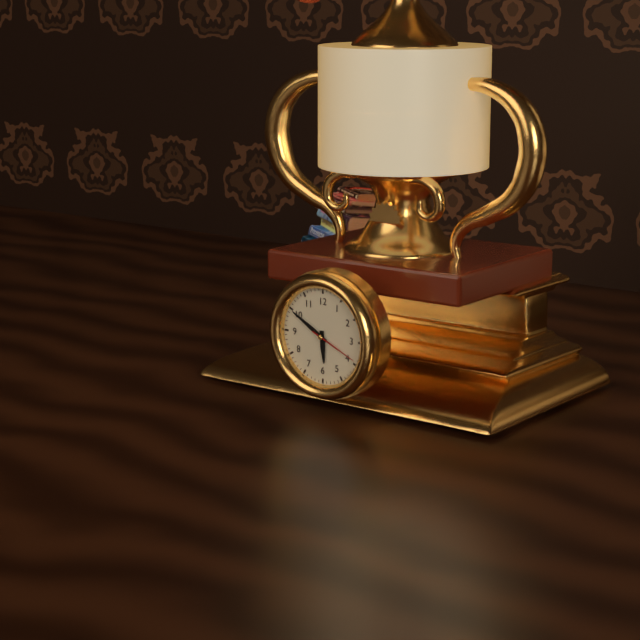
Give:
5h50m19s
